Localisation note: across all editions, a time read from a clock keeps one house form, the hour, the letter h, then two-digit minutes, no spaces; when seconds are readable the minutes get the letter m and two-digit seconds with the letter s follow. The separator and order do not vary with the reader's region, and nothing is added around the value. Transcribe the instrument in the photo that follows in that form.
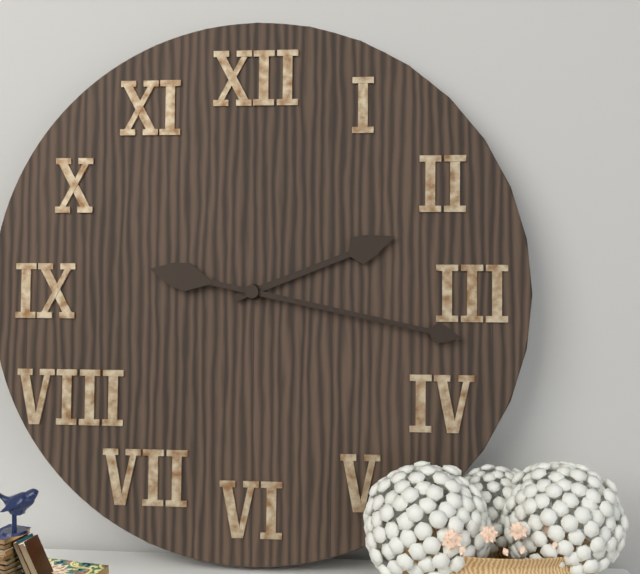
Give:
2h17
